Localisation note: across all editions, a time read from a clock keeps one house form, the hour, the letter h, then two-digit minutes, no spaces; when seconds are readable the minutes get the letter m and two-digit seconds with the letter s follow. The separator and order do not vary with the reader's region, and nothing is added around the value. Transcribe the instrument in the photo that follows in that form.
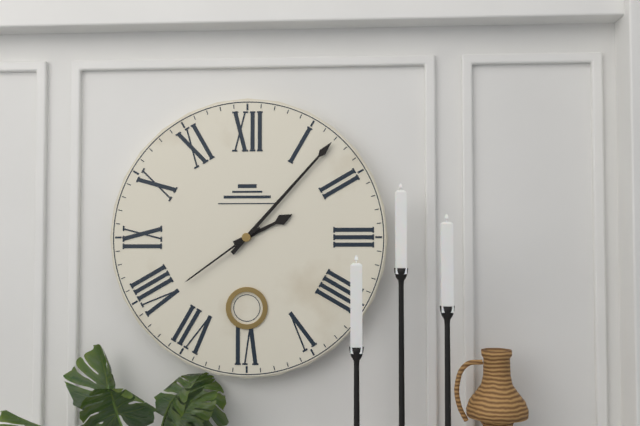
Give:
2h07m39s
